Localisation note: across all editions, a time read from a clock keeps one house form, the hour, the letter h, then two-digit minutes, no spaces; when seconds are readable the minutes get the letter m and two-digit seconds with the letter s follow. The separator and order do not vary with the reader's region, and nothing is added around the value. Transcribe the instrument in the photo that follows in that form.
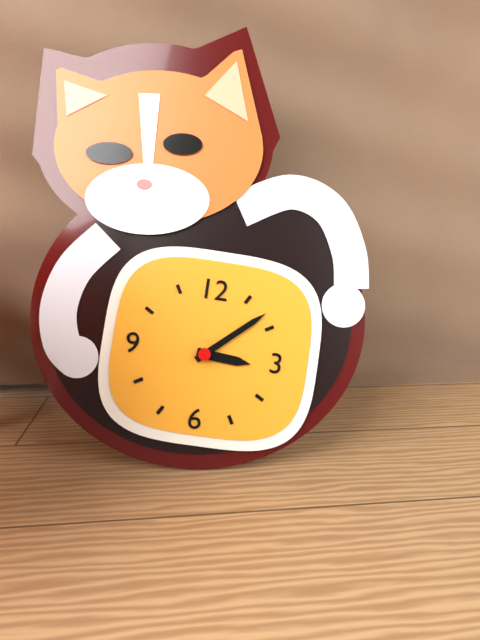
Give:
3h08
